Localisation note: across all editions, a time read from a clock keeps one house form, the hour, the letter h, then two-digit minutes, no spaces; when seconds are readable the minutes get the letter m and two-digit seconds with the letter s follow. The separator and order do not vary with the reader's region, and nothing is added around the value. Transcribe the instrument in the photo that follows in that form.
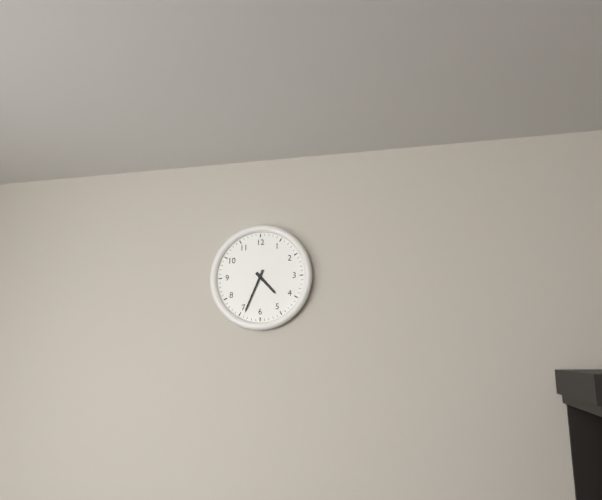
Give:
4h34
